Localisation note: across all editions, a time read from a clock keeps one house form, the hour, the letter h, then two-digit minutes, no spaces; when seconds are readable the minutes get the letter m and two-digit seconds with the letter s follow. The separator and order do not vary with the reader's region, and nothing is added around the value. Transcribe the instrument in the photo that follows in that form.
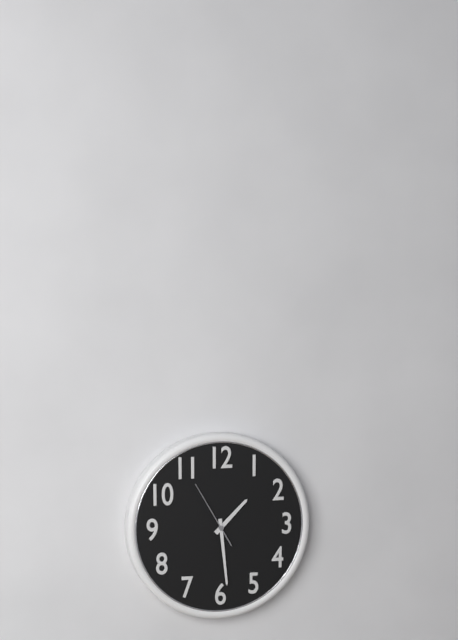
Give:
1h29m55s
